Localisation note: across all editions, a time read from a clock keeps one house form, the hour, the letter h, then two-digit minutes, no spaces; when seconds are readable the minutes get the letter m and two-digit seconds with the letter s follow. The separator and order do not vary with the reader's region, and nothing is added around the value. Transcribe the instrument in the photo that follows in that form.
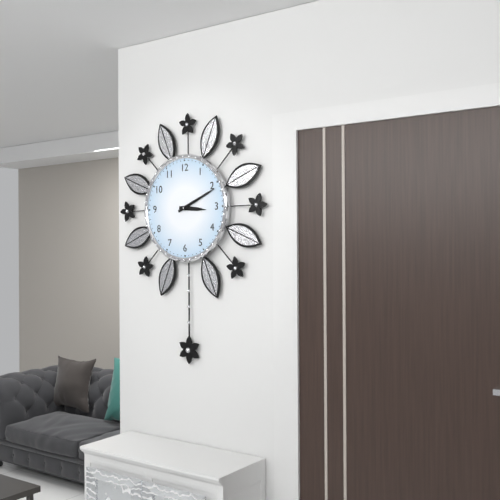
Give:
3h11
